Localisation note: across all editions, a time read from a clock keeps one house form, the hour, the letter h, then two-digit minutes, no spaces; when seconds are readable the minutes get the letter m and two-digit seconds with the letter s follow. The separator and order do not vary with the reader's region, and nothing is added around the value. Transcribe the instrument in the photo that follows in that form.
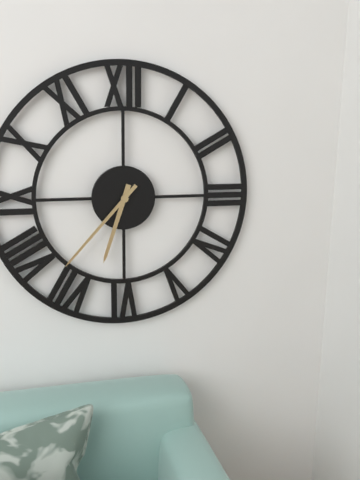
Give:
6h37
